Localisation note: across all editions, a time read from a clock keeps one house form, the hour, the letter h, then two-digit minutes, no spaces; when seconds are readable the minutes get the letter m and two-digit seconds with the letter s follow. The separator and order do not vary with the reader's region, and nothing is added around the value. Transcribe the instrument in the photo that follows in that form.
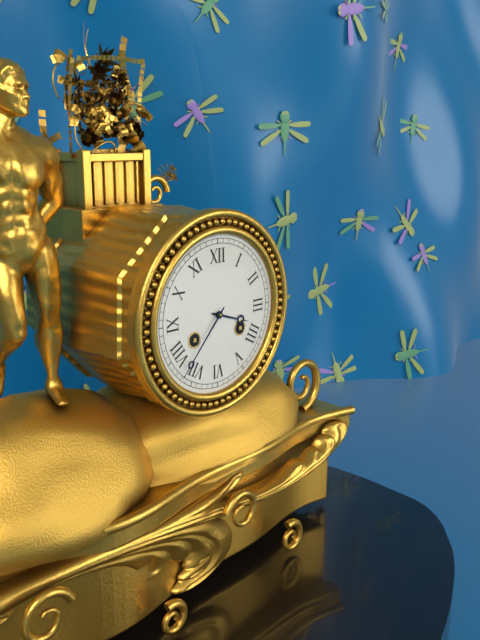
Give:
3h37
